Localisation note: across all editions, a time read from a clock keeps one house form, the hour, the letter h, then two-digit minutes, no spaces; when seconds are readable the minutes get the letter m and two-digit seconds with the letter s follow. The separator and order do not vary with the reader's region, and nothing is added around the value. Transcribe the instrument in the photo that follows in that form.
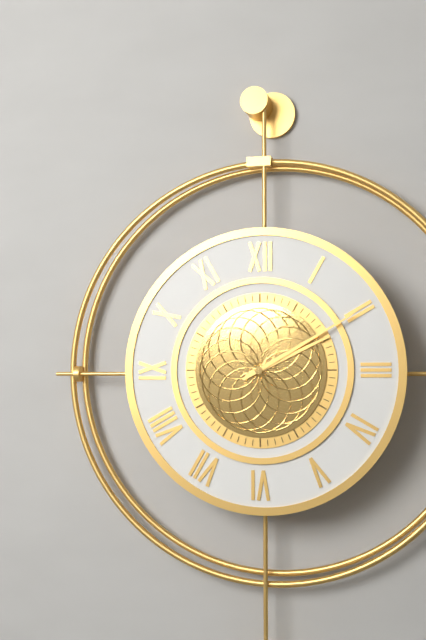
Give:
2h10
